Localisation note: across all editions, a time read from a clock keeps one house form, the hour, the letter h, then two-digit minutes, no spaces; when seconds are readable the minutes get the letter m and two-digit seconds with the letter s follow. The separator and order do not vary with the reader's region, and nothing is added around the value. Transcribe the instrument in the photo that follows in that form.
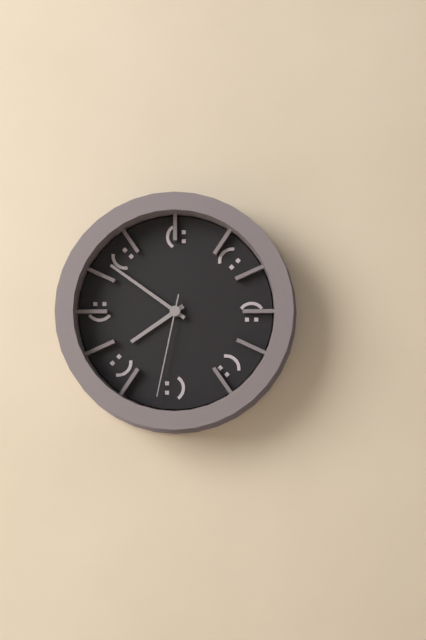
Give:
7h51m32s
